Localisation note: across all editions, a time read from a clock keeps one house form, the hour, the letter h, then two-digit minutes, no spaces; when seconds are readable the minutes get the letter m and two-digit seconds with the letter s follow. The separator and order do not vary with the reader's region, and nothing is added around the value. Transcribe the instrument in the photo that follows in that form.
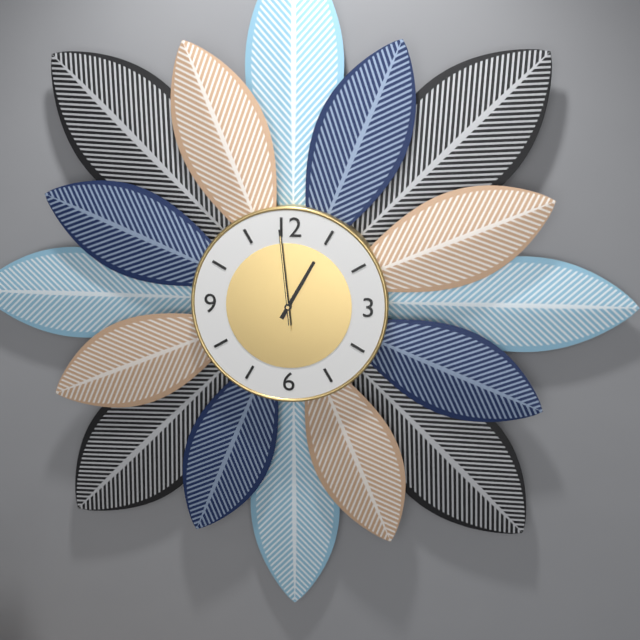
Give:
12h59m59s
